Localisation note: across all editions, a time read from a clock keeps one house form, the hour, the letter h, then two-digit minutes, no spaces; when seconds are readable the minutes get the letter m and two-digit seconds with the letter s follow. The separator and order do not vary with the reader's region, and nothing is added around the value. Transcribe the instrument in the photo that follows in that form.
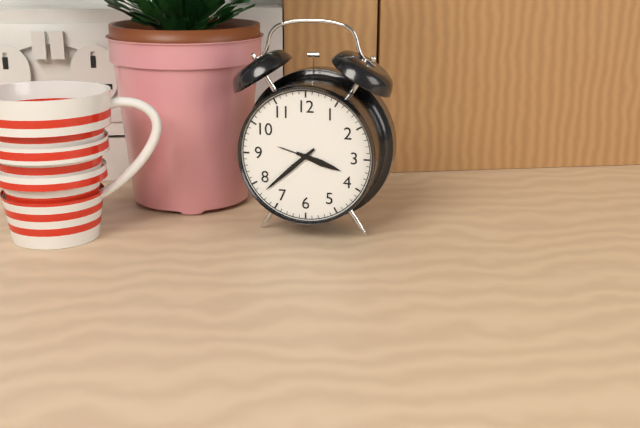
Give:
3h38
